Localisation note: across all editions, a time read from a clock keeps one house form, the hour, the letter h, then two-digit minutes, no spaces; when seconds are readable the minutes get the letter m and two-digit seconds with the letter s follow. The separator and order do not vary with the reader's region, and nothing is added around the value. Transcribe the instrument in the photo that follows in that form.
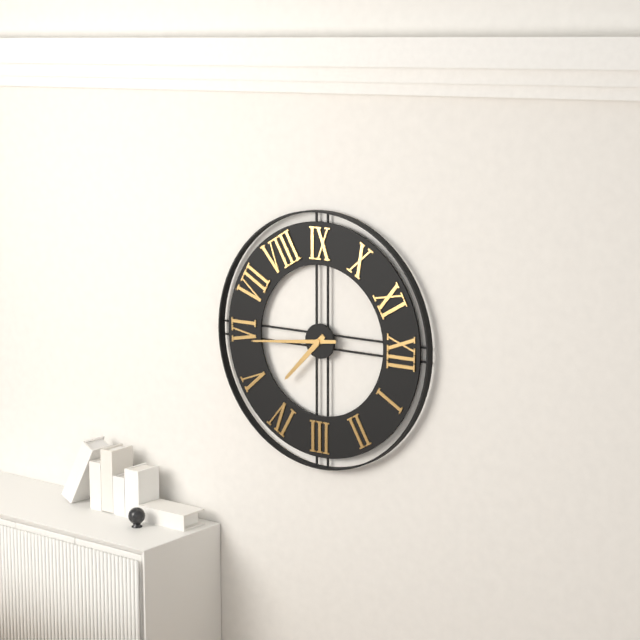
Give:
4h29
